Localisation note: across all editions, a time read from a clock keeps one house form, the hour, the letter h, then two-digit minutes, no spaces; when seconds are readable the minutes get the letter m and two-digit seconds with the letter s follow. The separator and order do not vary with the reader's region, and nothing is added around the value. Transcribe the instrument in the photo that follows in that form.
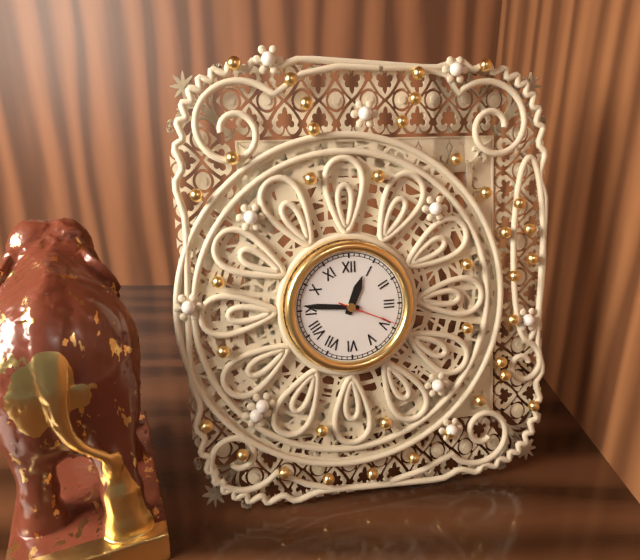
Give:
12h46m19s
